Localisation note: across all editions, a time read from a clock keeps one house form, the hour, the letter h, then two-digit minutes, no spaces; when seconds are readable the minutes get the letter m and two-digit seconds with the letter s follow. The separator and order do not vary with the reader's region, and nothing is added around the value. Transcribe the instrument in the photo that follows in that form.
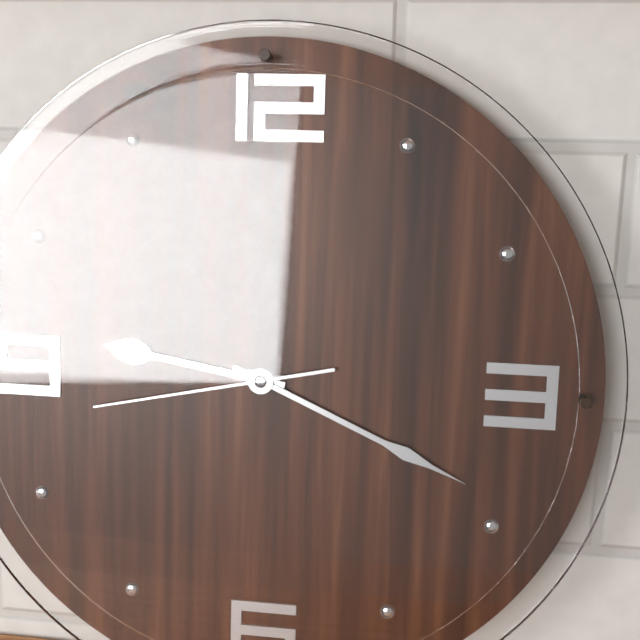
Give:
9h19m43s
